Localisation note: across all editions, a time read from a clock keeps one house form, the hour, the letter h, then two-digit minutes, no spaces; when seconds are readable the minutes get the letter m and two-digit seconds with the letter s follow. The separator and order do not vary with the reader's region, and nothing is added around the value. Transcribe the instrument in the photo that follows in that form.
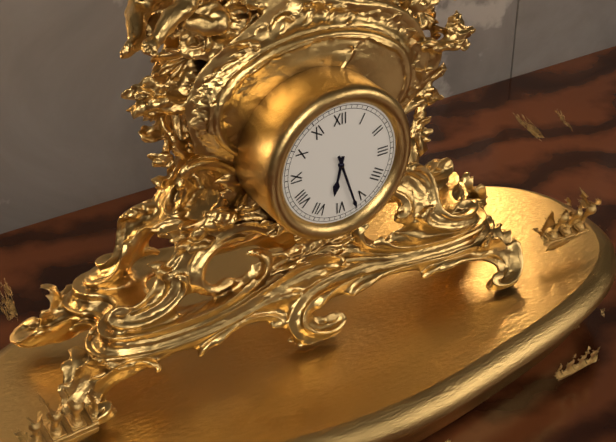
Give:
6h27
